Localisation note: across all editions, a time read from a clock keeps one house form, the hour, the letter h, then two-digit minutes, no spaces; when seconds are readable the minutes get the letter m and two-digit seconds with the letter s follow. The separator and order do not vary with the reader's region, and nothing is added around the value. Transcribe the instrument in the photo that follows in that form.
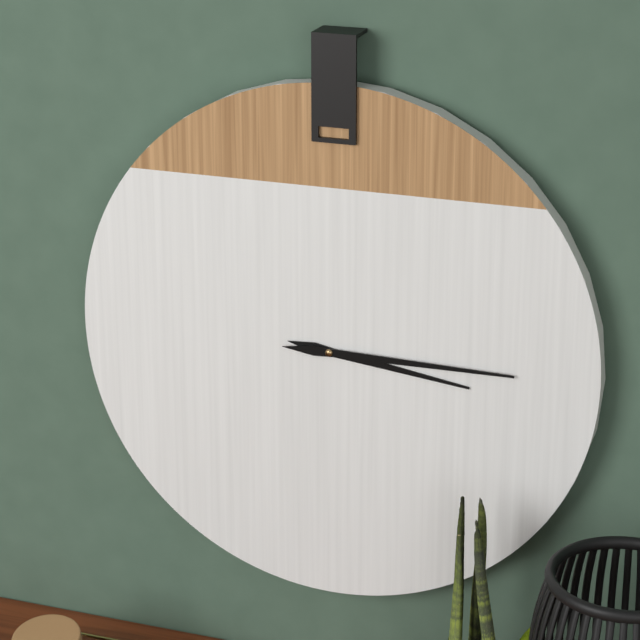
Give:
3h15
